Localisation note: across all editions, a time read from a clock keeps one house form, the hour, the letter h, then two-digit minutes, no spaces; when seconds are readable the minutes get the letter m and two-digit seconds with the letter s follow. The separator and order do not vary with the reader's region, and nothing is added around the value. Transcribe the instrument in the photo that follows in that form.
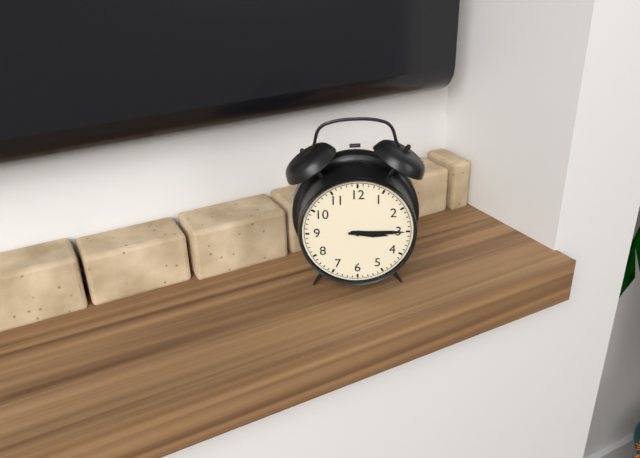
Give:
3h15
